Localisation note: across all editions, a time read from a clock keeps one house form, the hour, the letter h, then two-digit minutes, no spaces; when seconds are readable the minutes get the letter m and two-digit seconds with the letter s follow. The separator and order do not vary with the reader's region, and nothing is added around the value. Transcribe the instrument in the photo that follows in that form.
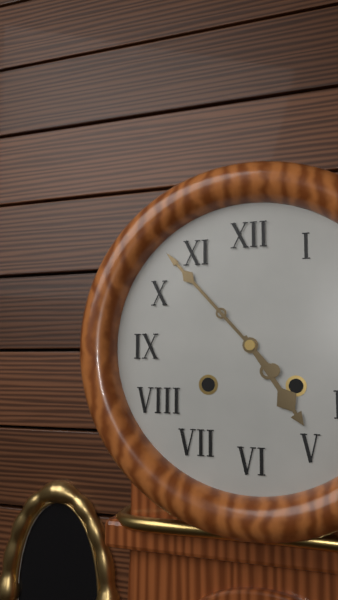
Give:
4h53
